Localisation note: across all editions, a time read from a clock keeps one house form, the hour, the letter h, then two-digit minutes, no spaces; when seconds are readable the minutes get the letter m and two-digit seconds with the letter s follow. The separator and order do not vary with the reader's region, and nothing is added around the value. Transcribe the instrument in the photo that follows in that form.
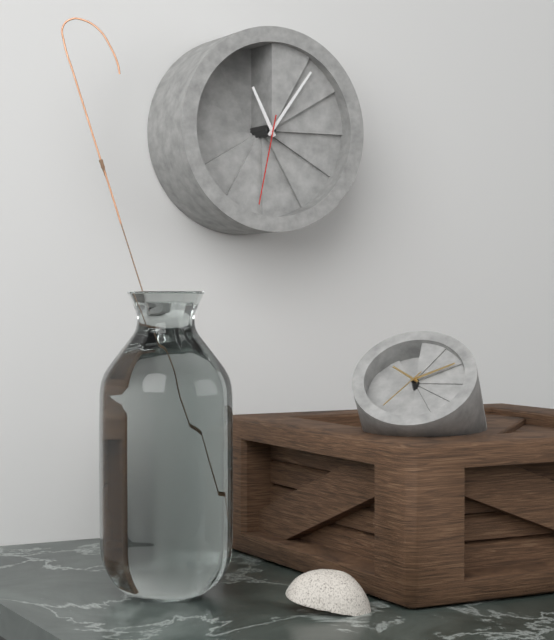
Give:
11h06m32s
